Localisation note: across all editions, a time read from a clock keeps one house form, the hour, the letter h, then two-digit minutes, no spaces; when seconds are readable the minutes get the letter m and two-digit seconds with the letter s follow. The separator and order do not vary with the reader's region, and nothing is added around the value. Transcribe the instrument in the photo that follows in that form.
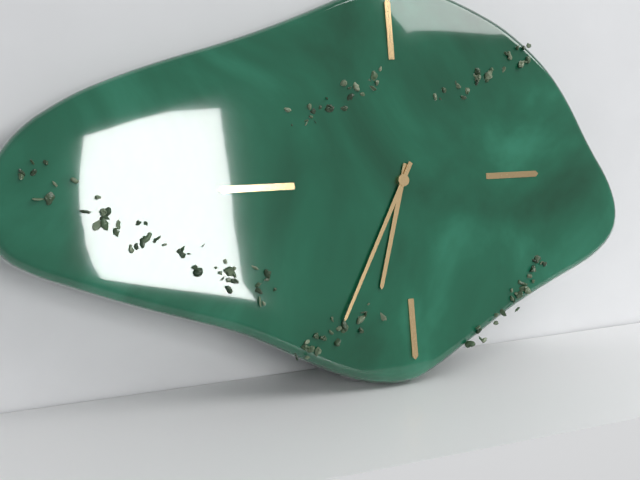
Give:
6h35
